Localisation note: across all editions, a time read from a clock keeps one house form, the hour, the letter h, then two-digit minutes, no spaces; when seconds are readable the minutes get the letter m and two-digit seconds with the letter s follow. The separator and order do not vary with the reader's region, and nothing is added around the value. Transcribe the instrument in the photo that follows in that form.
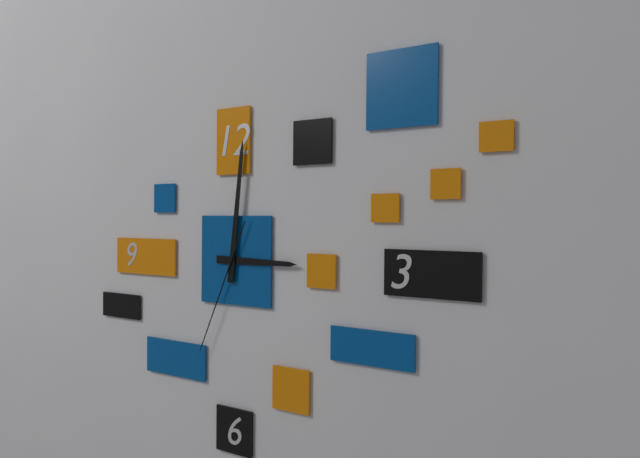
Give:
3h01m34s
